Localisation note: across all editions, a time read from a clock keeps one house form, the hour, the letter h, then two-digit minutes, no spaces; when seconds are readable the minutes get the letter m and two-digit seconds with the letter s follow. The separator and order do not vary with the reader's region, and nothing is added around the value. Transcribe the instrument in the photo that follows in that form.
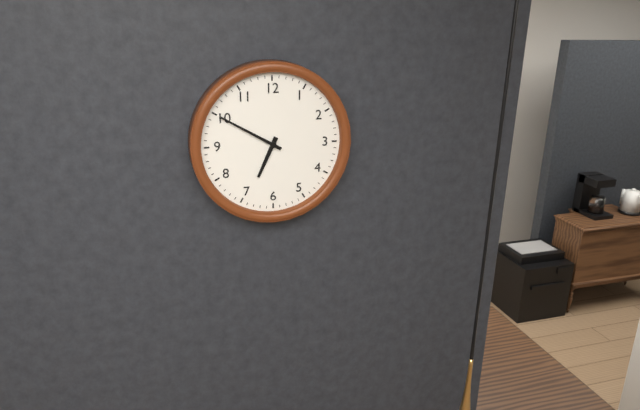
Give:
6h50
